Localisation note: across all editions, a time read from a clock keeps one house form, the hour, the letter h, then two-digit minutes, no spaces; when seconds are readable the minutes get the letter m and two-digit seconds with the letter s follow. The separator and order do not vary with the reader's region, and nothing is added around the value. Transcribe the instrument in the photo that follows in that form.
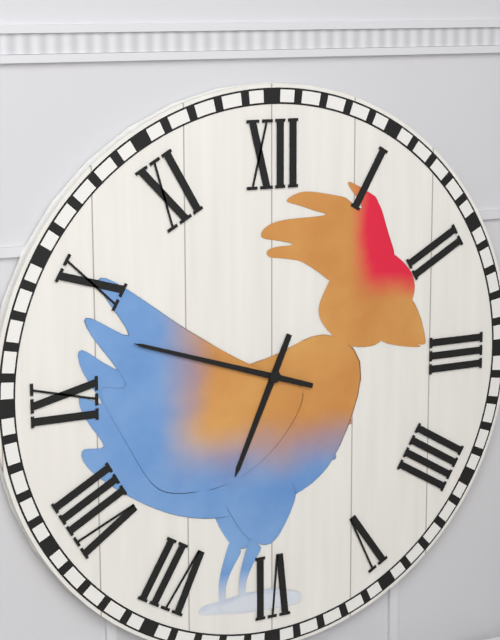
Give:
6h48
